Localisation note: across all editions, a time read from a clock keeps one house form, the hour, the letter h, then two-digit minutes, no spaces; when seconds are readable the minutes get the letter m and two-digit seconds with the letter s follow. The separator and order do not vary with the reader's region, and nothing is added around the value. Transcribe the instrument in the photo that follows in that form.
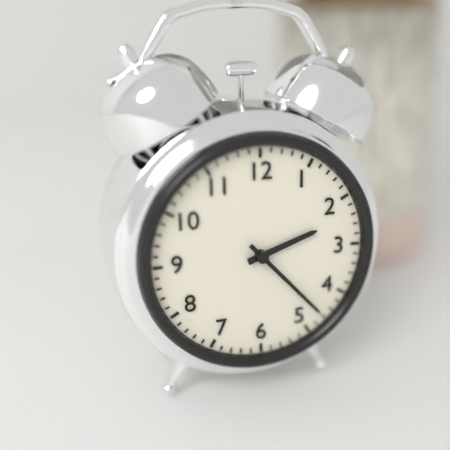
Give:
2h23
